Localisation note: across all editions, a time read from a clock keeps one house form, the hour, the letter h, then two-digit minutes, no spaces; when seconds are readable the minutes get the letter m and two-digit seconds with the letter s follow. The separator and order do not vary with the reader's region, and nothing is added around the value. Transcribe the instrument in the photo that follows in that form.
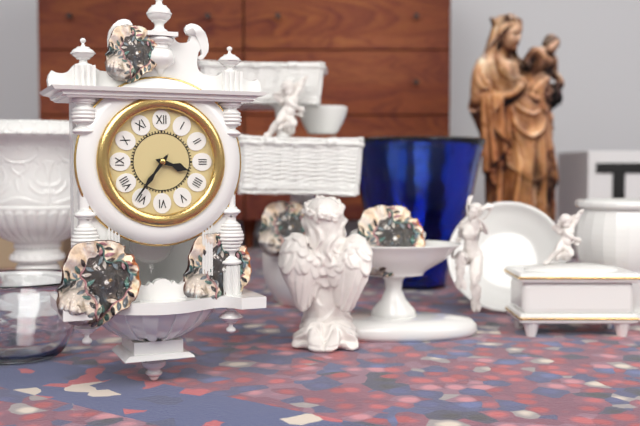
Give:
3h36
